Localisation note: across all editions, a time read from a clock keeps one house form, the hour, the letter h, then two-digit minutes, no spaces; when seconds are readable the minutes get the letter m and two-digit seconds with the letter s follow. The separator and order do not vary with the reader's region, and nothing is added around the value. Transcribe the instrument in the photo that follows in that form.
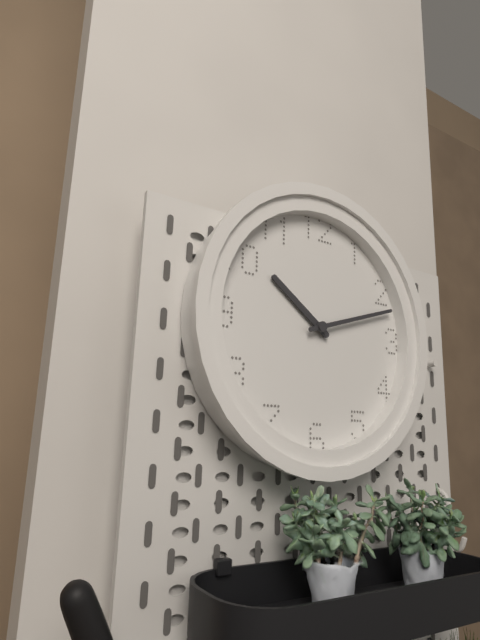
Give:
10h12
